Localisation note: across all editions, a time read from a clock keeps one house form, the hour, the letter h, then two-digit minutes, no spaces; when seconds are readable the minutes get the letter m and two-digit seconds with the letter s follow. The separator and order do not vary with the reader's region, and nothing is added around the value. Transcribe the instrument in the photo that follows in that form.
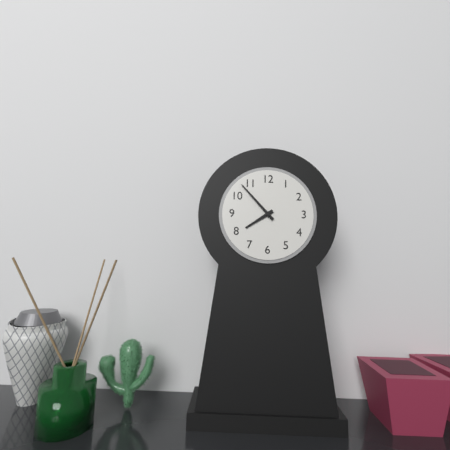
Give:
7h53
